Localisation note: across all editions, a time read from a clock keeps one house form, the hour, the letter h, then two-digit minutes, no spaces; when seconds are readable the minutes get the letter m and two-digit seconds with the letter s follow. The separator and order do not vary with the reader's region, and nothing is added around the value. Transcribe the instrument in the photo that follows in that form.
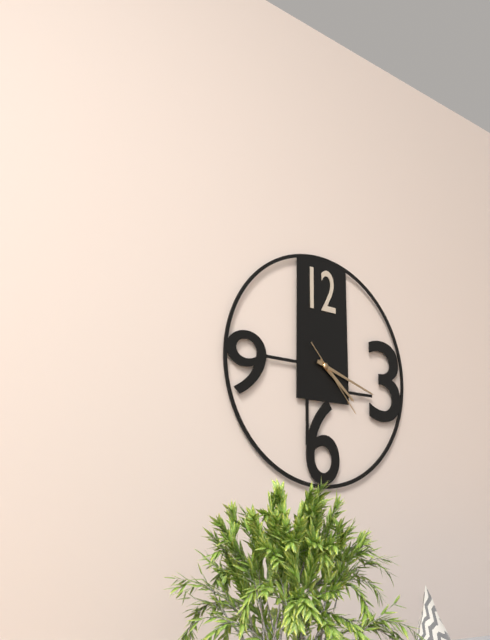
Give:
4h18m23s
